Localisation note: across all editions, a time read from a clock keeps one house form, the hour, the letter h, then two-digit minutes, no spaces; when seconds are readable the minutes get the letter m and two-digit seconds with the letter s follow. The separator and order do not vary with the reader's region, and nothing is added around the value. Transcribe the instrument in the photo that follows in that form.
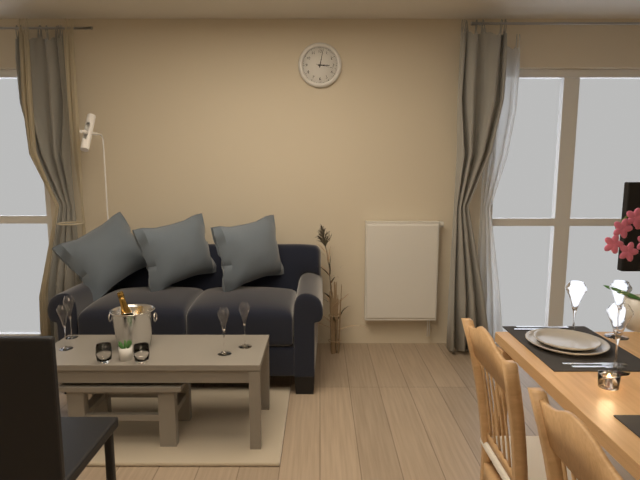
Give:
3h02
